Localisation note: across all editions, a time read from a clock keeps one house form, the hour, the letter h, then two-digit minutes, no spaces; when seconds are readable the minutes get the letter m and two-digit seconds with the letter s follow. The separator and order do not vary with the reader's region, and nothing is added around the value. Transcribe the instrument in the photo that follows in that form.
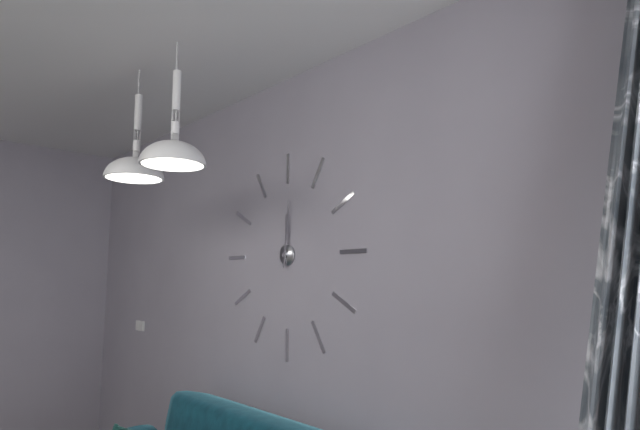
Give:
12h01
